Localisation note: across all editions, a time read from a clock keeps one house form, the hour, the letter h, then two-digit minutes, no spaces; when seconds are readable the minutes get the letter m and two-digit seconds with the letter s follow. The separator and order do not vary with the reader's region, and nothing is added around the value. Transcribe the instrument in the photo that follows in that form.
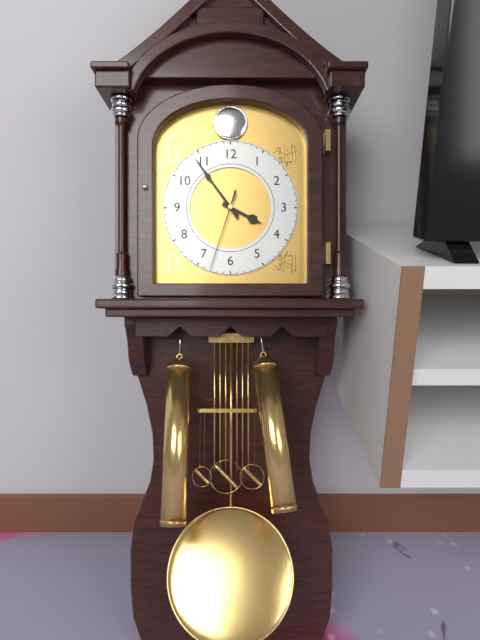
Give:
3h54m33s
